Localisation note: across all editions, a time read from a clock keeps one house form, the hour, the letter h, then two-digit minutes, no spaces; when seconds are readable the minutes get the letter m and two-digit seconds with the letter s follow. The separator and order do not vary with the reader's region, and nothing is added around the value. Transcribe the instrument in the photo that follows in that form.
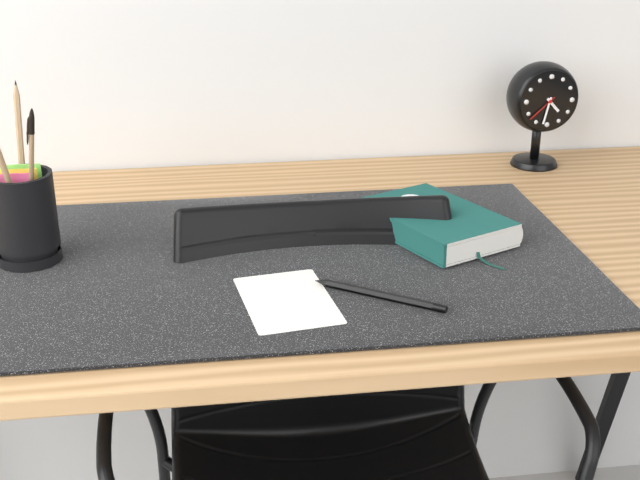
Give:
4h32
